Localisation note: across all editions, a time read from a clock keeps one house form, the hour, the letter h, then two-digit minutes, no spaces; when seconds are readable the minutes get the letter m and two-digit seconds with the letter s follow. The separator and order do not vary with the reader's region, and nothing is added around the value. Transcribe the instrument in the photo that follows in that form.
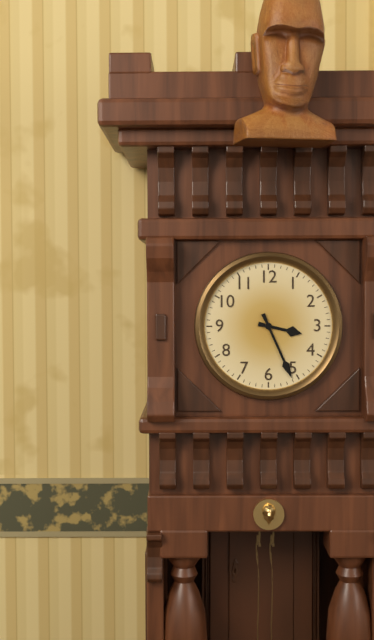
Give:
3h26
